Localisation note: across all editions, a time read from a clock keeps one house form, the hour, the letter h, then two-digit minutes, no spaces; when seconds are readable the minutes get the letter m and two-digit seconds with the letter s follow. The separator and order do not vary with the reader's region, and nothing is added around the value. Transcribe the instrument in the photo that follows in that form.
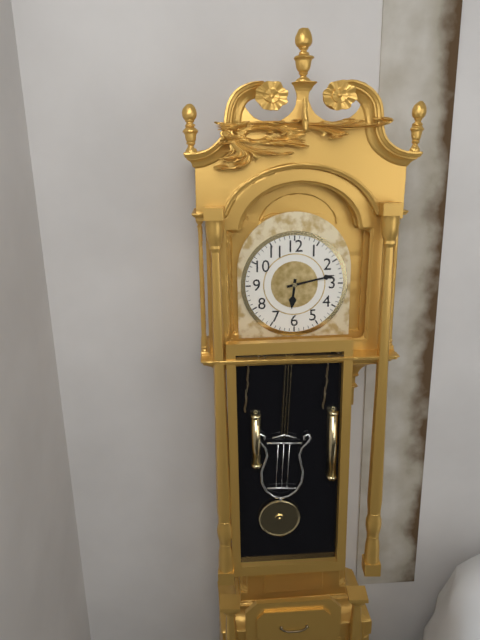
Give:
6h13
